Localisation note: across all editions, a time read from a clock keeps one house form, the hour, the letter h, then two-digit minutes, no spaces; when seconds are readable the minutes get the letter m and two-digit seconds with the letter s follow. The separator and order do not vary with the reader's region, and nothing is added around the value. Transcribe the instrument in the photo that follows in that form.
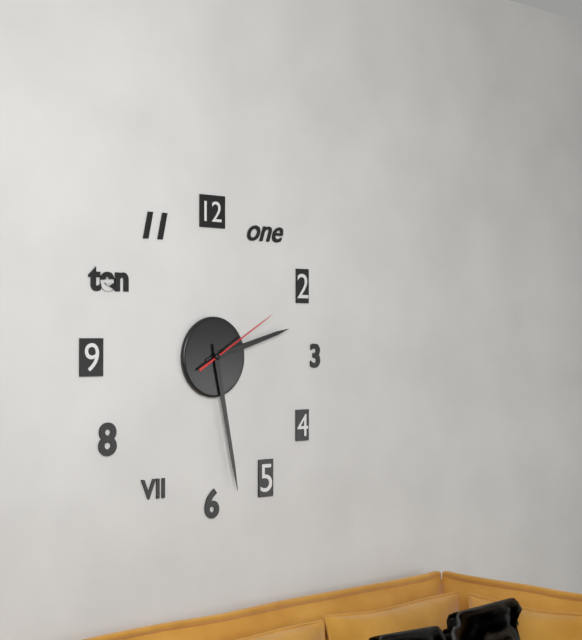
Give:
2h28m10s
